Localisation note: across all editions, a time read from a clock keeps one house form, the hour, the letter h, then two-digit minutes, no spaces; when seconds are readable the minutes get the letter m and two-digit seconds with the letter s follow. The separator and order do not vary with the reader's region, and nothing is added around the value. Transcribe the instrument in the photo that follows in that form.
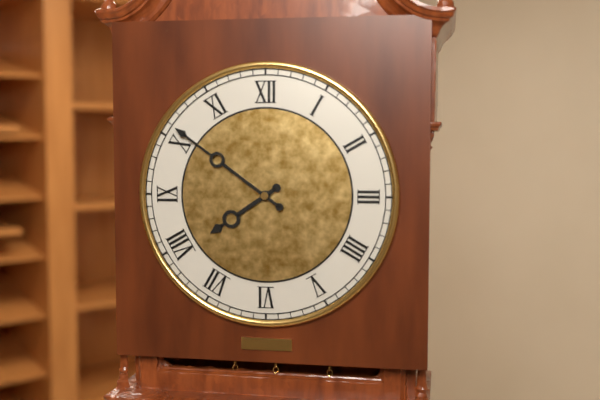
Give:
7h51
